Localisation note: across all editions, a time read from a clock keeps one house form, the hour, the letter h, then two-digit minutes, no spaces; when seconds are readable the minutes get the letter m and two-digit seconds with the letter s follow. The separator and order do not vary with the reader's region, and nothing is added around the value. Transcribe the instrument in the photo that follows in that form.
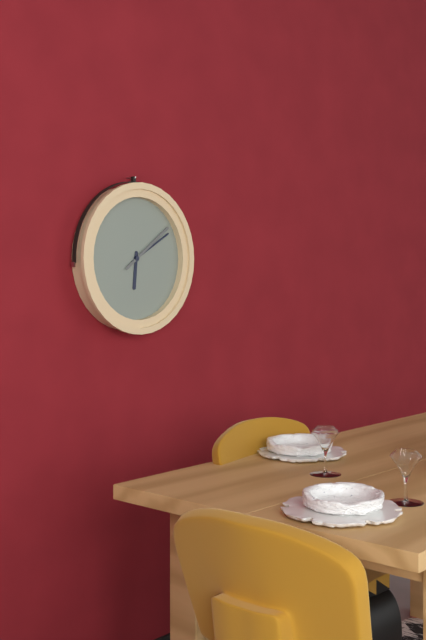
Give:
6h10m09s
